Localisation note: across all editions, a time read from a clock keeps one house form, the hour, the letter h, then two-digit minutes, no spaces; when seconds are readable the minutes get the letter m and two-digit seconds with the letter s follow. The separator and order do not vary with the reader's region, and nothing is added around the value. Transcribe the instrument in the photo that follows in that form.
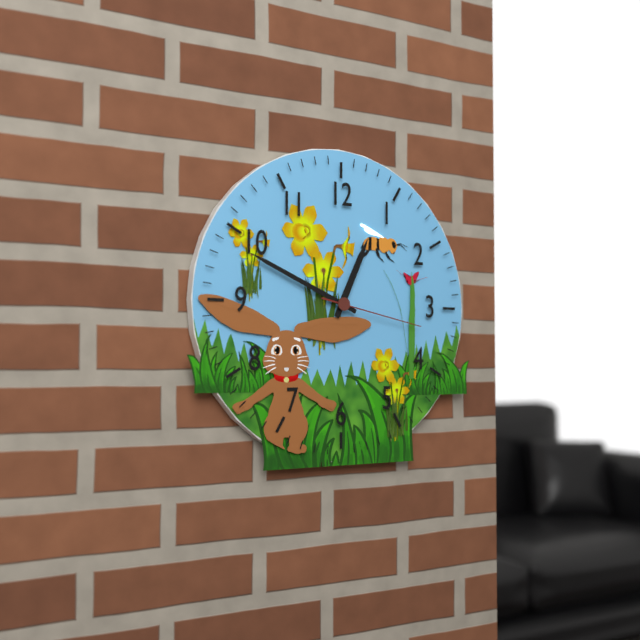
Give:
12h49m17s
